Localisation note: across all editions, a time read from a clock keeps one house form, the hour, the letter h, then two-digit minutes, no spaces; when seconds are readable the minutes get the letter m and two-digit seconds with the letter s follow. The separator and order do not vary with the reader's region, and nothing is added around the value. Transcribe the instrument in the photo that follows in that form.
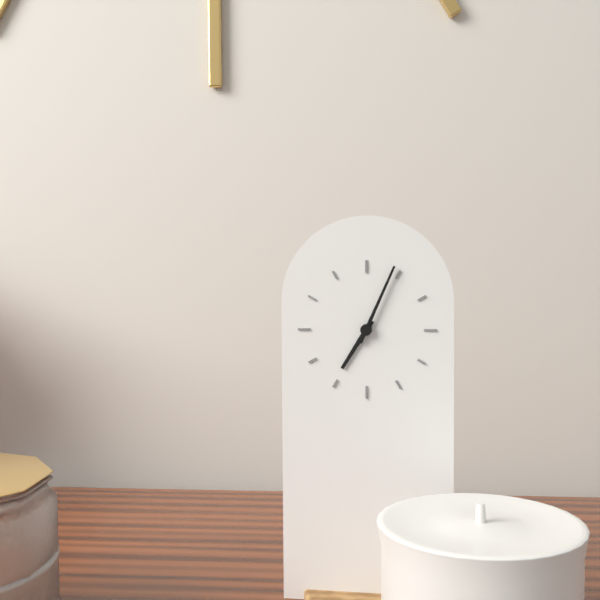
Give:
7h04
